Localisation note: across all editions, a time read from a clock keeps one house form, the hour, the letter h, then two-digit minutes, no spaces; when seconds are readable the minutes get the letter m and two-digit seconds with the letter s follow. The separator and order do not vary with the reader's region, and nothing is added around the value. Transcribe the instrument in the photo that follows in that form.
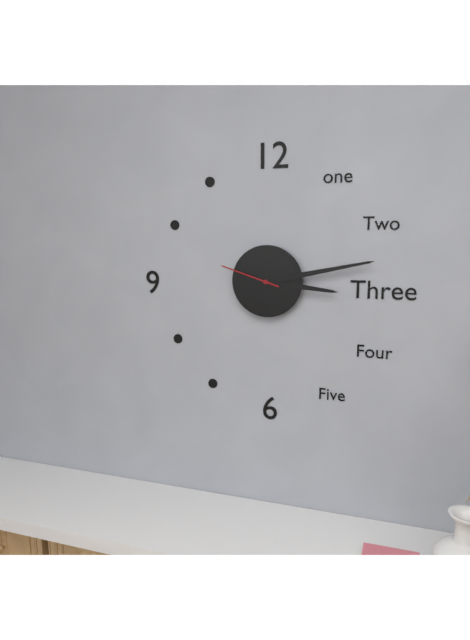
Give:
3h13m48s
